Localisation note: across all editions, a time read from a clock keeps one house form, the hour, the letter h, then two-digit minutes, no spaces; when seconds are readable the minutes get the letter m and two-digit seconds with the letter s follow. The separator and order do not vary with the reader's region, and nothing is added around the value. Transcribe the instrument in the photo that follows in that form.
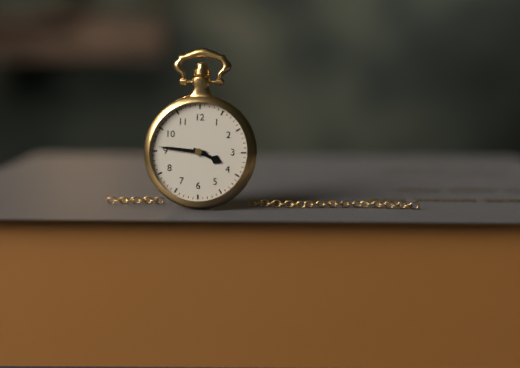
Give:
3h46
